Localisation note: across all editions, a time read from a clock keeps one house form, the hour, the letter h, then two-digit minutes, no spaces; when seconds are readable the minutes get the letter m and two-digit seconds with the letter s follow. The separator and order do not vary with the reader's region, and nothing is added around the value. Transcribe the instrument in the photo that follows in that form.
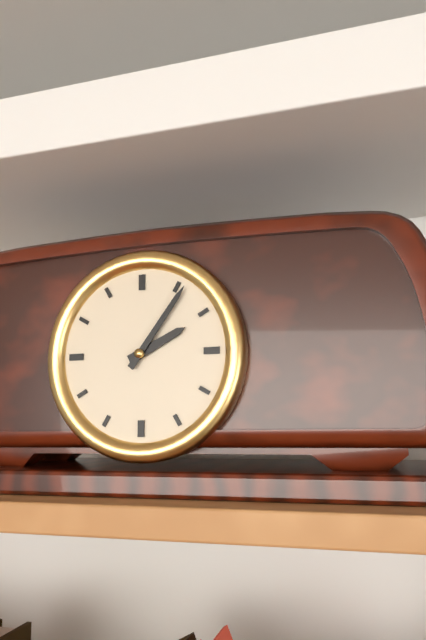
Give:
2h06
